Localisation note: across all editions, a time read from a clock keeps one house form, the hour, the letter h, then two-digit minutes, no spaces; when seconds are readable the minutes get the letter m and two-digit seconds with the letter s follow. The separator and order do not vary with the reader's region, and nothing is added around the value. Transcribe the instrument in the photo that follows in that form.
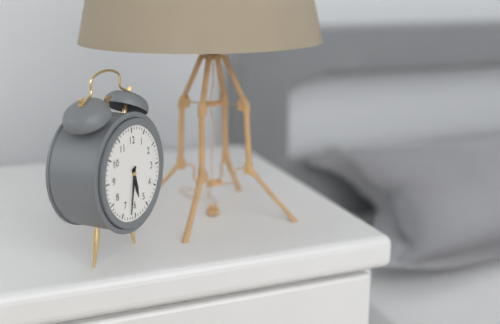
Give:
5h32
